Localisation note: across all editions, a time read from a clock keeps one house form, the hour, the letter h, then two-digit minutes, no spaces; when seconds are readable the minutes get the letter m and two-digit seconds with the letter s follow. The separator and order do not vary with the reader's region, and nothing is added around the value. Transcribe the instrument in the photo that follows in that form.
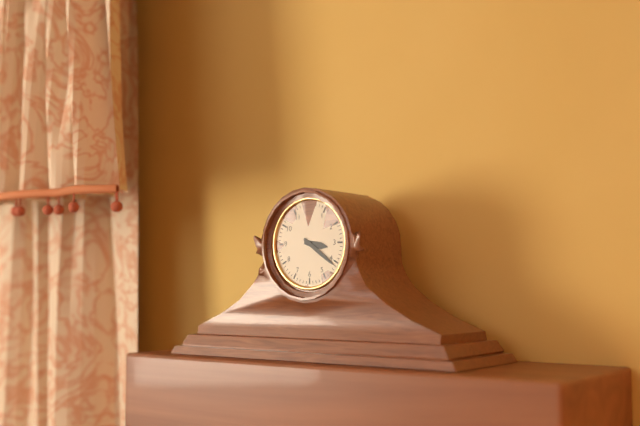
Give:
3h21
